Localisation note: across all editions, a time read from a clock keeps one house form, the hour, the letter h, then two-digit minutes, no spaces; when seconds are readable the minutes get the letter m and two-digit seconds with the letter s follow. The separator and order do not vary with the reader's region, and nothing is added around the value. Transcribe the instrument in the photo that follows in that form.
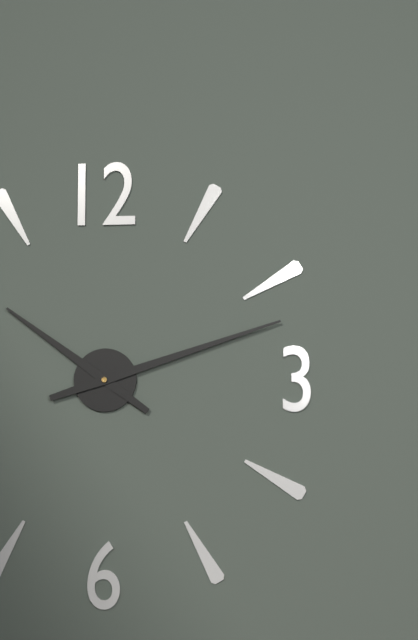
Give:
10h12
